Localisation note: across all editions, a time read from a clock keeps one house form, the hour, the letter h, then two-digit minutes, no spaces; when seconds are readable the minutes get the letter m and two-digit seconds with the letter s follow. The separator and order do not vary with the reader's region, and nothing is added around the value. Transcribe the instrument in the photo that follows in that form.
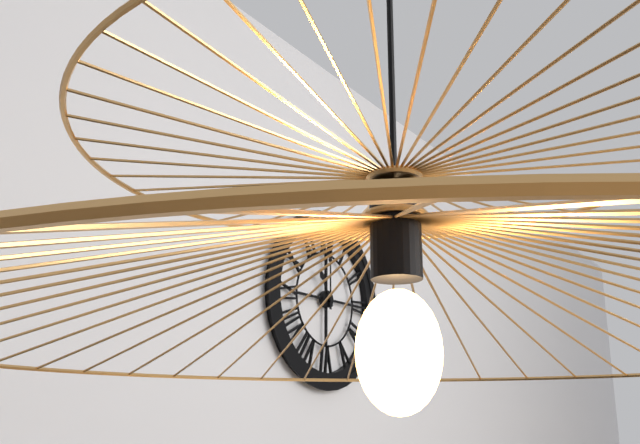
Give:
11h00
